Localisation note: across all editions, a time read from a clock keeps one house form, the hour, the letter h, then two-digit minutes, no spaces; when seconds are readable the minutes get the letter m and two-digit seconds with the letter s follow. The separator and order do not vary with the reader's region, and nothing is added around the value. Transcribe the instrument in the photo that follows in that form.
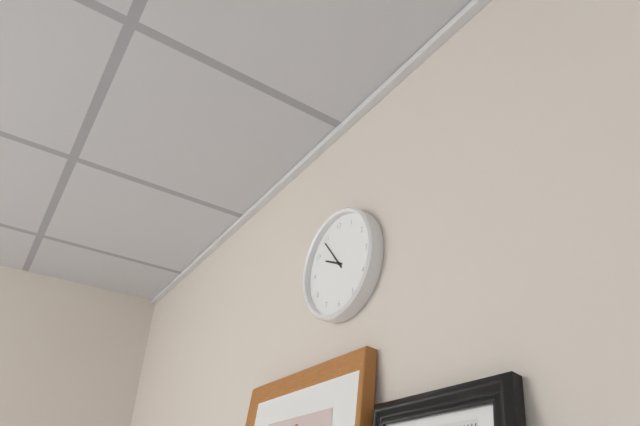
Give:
9h54
